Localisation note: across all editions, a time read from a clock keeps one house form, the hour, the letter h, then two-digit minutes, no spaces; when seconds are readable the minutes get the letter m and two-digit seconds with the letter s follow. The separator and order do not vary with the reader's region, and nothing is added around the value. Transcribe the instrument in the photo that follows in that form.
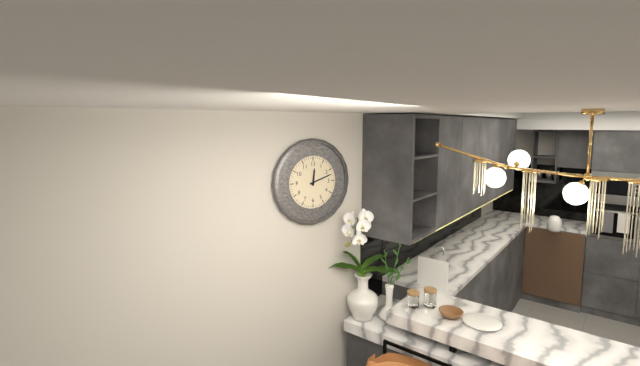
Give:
12h12
